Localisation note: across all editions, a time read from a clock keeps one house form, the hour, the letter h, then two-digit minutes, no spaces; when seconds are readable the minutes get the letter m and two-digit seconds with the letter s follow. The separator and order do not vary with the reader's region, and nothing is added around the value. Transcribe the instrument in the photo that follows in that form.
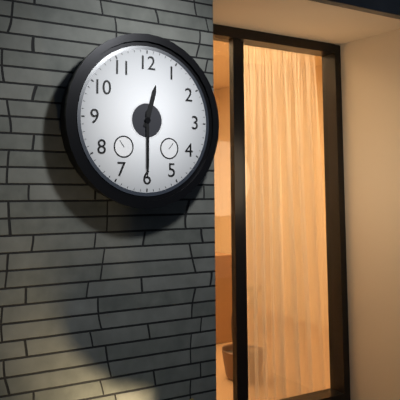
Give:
12h30
